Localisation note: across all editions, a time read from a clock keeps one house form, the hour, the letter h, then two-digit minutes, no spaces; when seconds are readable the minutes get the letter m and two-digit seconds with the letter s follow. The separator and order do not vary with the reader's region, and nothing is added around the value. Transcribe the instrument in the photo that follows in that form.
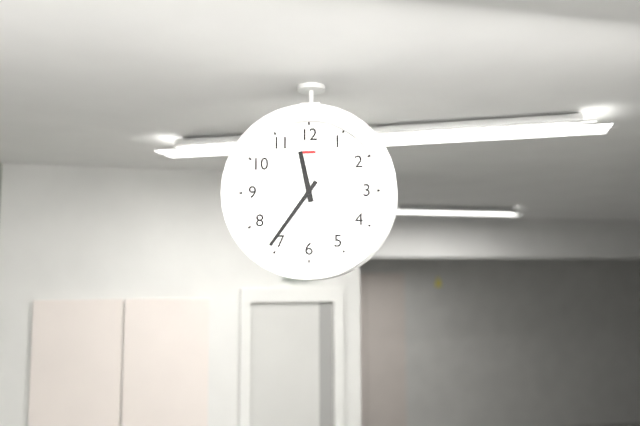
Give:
11h36
